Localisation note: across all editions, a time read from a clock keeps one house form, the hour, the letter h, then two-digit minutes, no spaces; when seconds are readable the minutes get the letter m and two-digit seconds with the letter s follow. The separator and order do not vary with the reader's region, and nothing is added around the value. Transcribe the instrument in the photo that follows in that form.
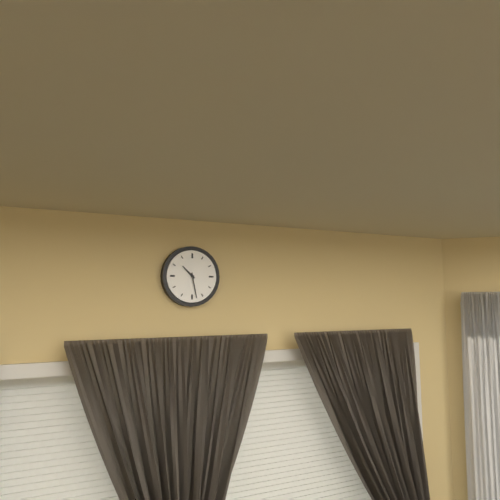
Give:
10h28
